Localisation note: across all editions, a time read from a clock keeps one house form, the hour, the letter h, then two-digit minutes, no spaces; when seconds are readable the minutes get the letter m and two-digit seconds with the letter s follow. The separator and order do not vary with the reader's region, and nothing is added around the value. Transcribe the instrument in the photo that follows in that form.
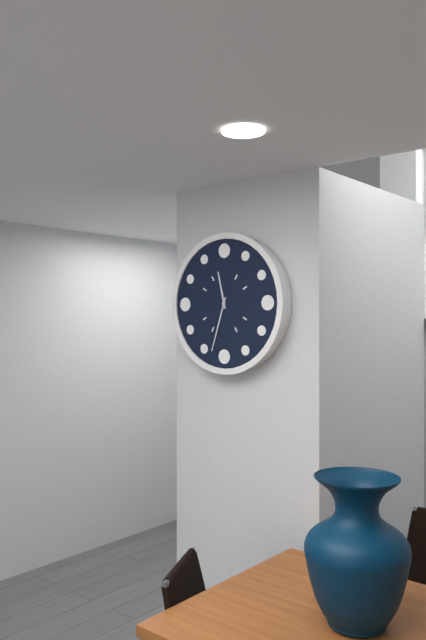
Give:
11h33
